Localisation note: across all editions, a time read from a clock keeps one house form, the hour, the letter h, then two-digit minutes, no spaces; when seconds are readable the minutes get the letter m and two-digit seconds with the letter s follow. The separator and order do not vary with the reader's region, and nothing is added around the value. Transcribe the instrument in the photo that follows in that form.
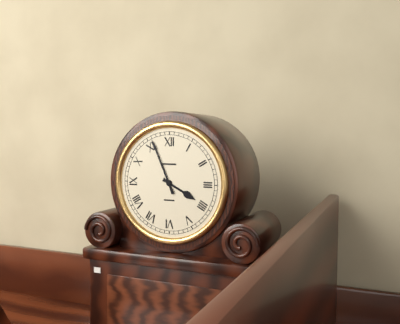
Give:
3h56
